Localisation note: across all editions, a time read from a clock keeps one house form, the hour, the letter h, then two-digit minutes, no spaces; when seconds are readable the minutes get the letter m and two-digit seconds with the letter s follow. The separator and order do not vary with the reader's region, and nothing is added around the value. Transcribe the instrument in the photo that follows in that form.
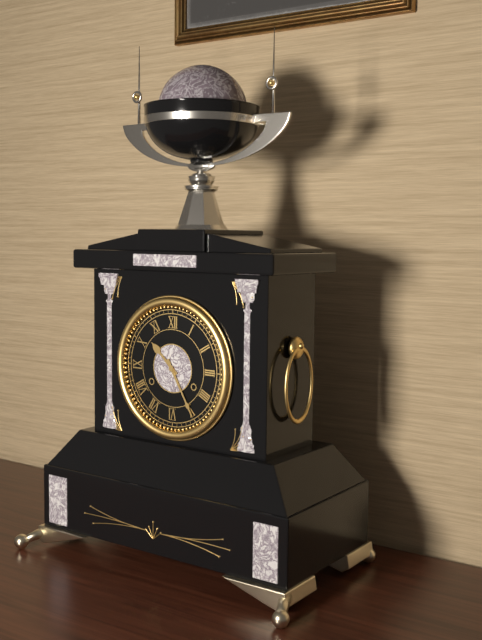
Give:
10h25
